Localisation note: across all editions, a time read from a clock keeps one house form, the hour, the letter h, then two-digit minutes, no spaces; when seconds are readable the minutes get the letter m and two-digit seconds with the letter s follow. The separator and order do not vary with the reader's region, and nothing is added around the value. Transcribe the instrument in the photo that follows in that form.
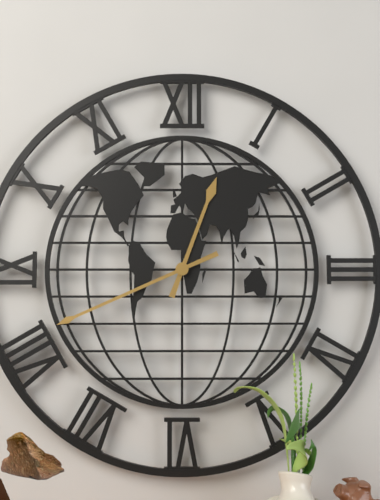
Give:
12h41
